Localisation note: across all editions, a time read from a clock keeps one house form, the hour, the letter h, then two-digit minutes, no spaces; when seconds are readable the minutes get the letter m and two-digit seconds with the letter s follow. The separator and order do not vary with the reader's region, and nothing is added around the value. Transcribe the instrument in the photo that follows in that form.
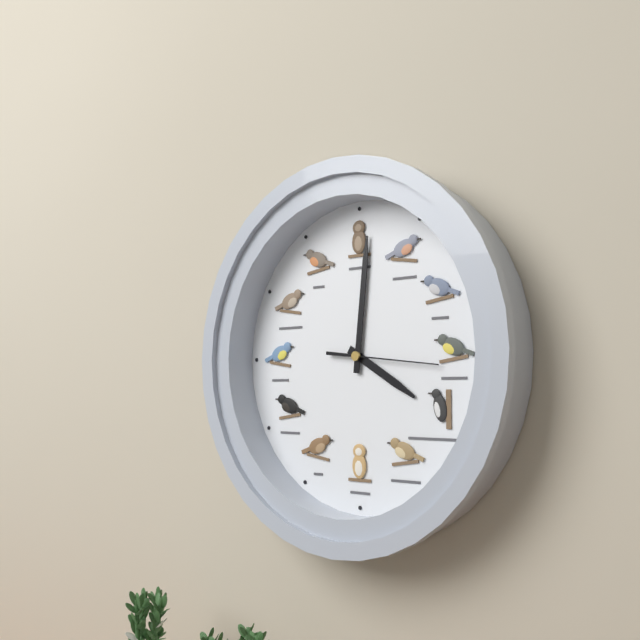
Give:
4h01m16s
